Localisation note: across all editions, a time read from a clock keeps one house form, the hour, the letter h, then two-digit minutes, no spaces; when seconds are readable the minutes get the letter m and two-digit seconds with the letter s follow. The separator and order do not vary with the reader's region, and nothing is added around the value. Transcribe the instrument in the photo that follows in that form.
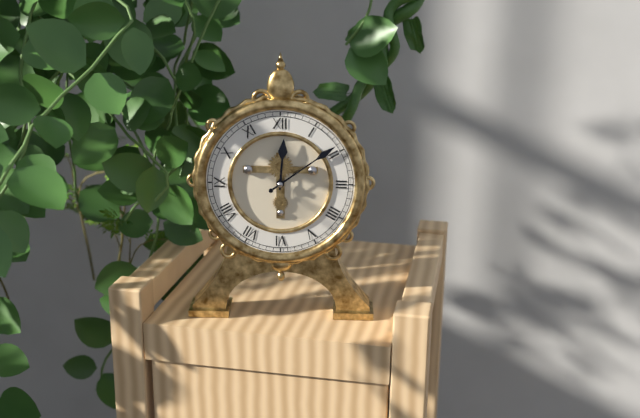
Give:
12h09
